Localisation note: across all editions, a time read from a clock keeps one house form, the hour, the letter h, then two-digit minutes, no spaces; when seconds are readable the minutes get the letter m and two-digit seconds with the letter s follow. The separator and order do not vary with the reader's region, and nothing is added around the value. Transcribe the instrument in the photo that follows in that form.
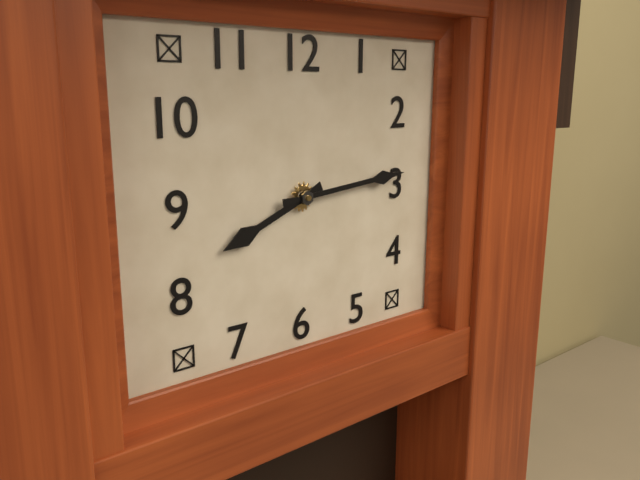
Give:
8h14
